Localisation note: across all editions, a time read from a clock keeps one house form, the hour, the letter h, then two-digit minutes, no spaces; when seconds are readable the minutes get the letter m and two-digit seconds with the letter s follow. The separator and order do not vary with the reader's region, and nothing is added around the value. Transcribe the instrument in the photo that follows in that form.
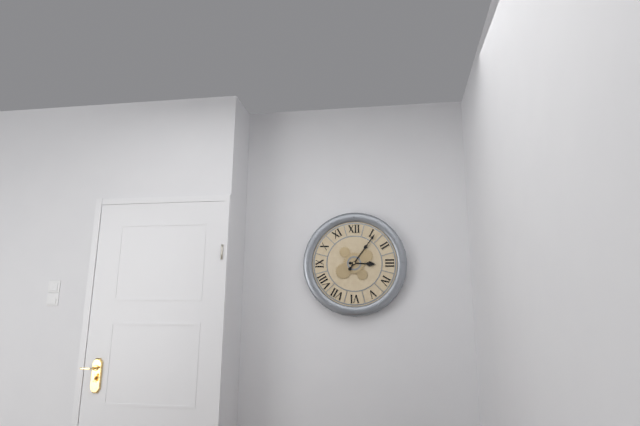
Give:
3h06
